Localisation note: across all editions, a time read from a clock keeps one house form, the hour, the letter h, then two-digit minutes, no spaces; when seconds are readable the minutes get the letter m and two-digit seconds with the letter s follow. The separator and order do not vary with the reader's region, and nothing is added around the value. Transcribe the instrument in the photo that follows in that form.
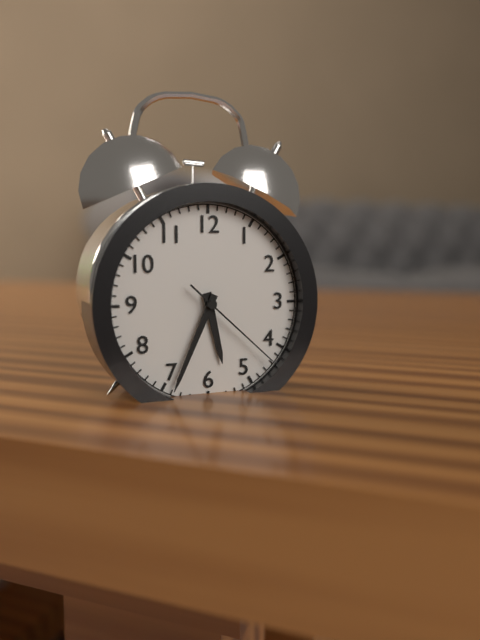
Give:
5h34m22s
